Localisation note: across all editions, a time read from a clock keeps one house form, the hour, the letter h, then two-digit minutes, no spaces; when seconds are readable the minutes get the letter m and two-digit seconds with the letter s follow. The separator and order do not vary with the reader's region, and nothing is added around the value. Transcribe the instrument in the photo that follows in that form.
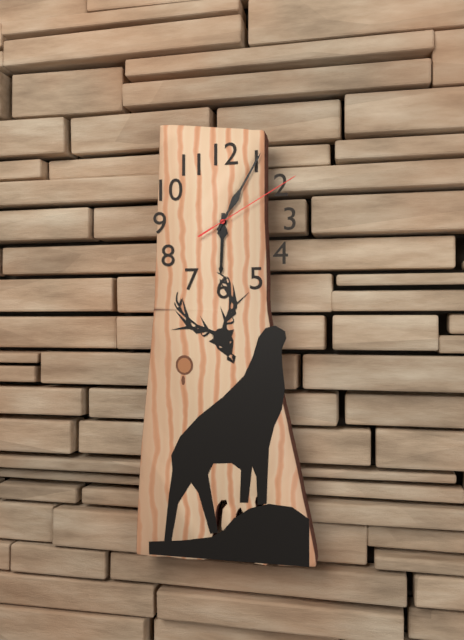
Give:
6h05m10s
